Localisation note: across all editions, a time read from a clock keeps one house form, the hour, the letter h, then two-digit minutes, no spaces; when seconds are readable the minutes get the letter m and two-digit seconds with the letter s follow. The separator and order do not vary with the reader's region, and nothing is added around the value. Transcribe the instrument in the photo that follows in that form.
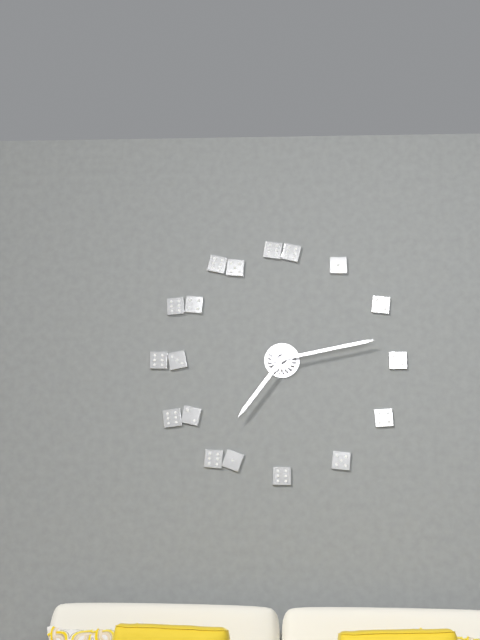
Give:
7h13
